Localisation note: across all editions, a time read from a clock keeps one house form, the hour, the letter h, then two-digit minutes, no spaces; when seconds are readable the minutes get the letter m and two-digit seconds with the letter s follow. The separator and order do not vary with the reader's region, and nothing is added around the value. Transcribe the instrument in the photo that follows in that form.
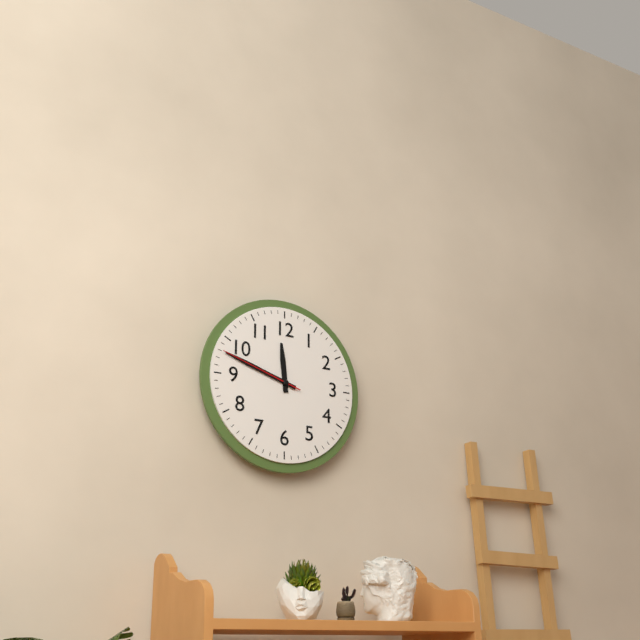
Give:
11h48m48s
